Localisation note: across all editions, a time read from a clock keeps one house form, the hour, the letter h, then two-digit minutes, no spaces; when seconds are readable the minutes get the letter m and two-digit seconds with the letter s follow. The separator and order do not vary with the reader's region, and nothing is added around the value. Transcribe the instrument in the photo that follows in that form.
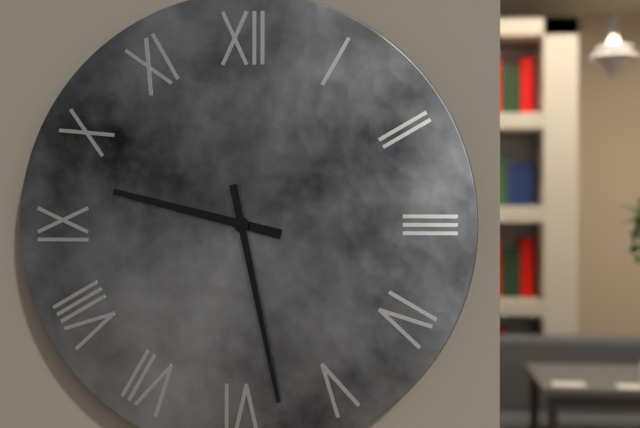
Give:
9h28
